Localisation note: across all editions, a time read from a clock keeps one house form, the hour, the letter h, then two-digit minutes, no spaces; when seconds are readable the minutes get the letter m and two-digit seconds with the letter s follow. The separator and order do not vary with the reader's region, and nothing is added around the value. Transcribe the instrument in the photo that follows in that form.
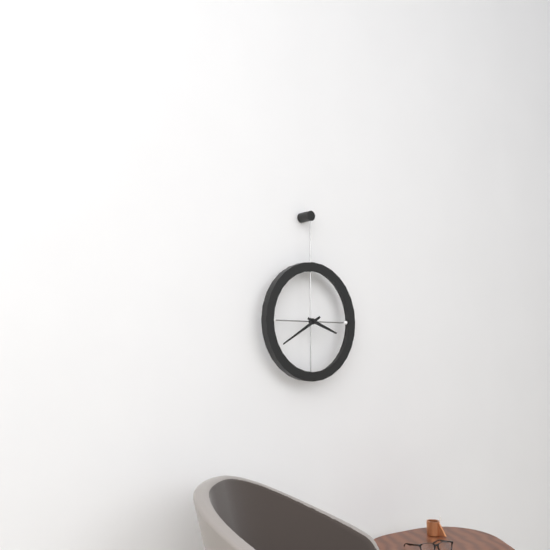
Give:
3h40
